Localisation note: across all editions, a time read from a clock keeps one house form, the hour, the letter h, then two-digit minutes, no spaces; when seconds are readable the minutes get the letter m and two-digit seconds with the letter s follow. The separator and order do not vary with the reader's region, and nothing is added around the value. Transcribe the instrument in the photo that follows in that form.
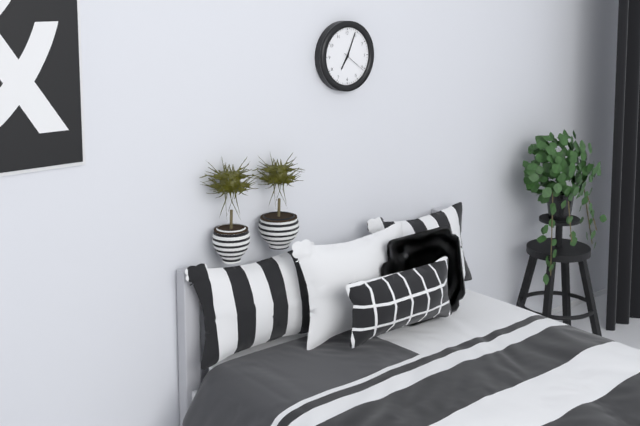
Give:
7h04
